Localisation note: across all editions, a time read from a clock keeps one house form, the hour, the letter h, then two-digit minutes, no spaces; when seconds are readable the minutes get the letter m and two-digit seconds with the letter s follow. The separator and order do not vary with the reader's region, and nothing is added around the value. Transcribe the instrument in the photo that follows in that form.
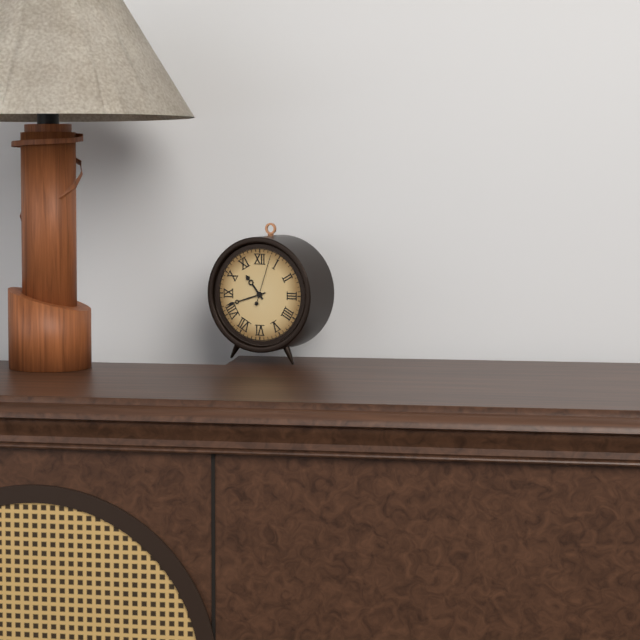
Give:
10h42m03s
